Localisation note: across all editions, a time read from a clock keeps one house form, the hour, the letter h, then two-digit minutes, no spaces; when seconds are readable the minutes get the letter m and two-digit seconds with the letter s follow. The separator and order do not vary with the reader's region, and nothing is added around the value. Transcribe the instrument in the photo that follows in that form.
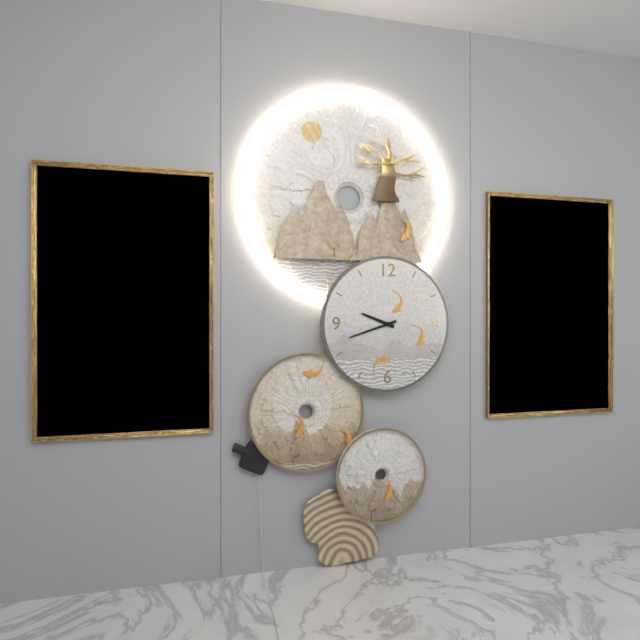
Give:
9h42
